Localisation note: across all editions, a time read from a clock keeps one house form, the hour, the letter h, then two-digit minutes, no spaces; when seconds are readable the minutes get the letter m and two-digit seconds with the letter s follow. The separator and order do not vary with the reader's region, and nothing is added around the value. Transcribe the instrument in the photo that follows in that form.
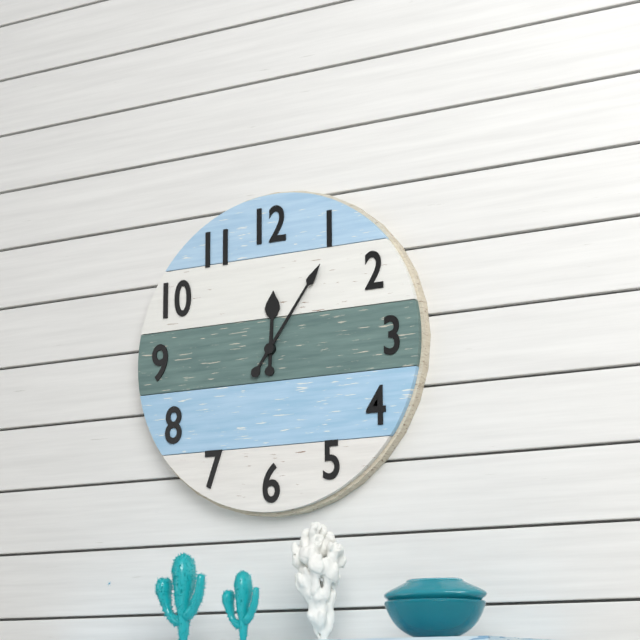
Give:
12h06
